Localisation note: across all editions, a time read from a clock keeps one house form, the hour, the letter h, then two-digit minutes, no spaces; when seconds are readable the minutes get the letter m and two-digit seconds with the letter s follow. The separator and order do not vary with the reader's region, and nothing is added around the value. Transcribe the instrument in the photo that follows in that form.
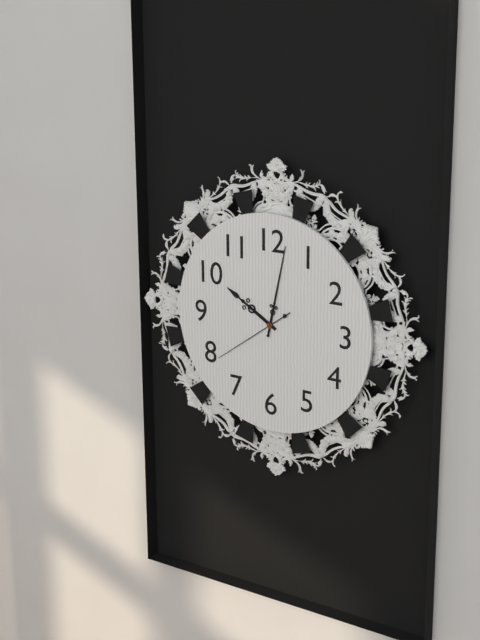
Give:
10h02m39s
